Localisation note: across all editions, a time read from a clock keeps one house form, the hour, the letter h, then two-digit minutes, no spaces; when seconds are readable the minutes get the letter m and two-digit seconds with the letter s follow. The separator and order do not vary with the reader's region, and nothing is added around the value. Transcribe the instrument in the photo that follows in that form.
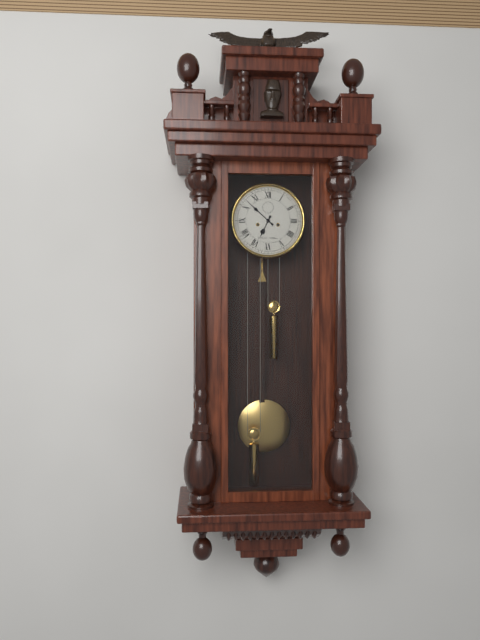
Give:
6h52
